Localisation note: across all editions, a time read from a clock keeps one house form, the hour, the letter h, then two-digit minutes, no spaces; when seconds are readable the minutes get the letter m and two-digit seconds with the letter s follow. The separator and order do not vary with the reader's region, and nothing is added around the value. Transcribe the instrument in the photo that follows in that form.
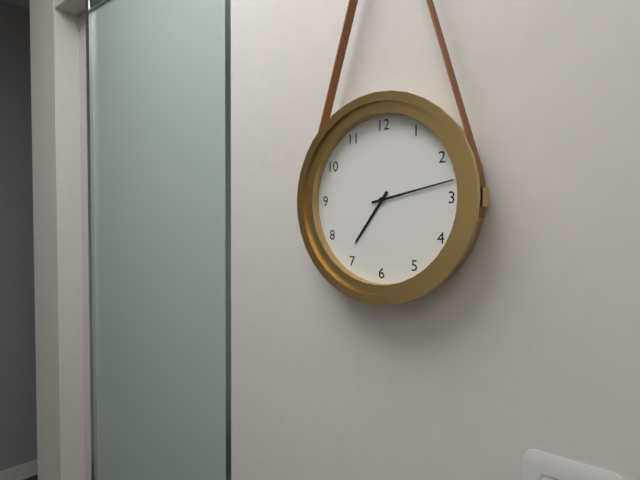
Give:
7h13
